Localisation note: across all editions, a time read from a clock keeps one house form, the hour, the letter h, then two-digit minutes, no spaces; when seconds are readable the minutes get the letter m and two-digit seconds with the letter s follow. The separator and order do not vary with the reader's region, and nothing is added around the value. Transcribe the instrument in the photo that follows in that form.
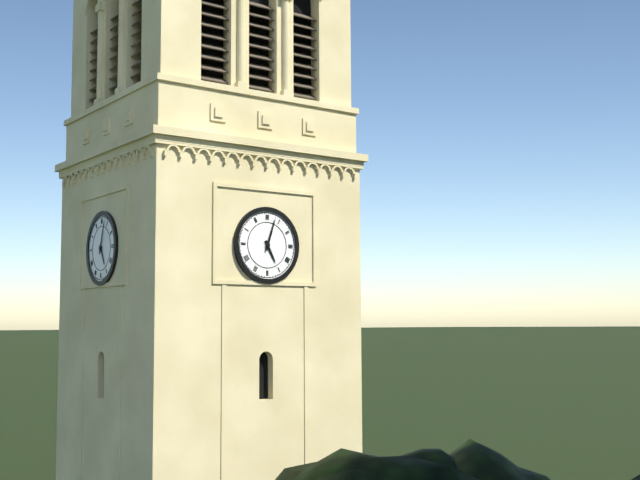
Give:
5h03
